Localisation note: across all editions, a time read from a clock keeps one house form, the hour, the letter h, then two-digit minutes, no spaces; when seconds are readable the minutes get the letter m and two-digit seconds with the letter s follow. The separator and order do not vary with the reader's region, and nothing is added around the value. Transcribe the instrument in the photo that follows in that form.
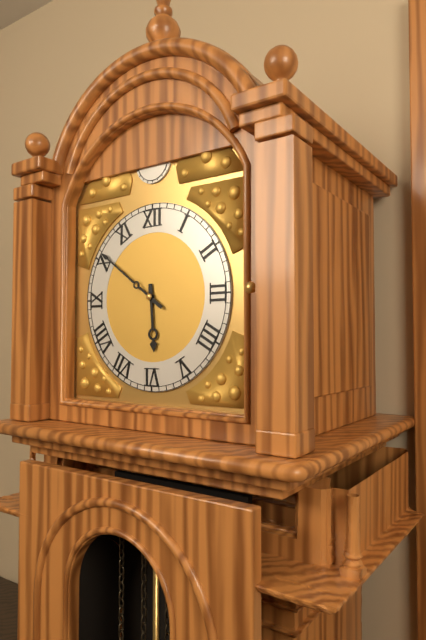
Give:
5h51
